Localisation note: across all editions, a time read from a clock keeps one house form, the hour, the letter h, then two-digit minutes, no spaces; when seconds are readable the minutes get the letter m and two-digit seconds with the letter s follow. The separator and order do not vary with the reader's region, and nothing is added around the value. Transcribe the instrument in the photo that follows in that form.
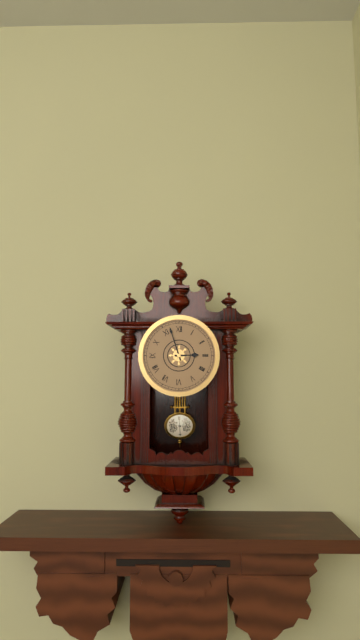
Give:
2h57
